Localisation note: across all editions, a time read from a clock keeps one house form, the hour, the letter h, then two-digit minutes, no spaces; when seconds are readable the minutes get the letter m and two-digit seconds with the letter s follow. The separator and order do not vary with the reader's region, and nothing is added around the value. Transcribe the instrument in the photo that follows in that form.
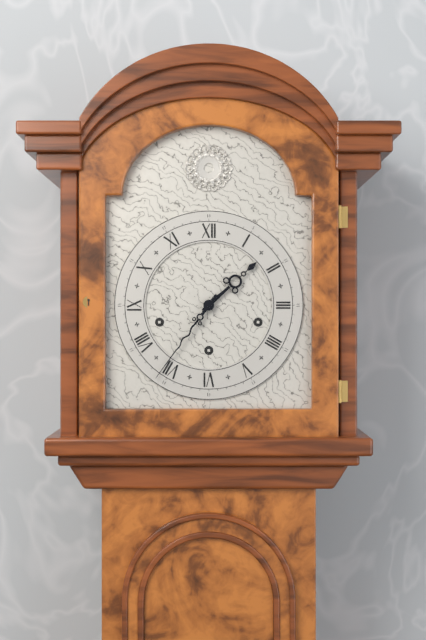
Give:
1h36
